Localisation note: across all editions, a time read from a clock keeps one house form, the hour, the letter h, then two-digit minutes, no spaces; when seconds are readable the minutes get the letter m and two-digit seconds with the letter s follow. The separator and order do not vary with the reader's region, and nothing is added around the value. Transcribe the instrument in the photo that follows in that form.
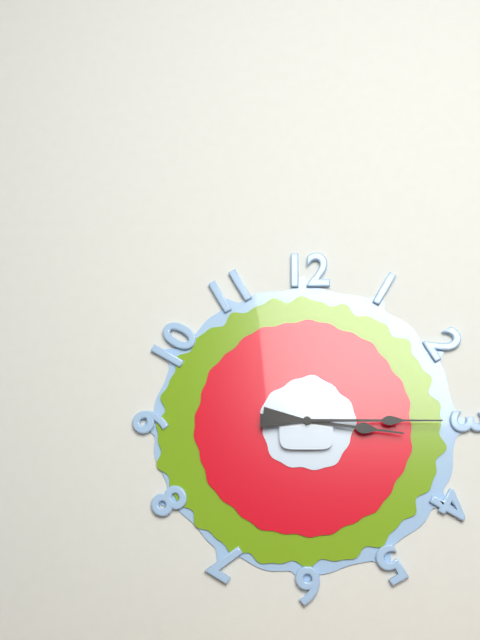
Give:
3h15
